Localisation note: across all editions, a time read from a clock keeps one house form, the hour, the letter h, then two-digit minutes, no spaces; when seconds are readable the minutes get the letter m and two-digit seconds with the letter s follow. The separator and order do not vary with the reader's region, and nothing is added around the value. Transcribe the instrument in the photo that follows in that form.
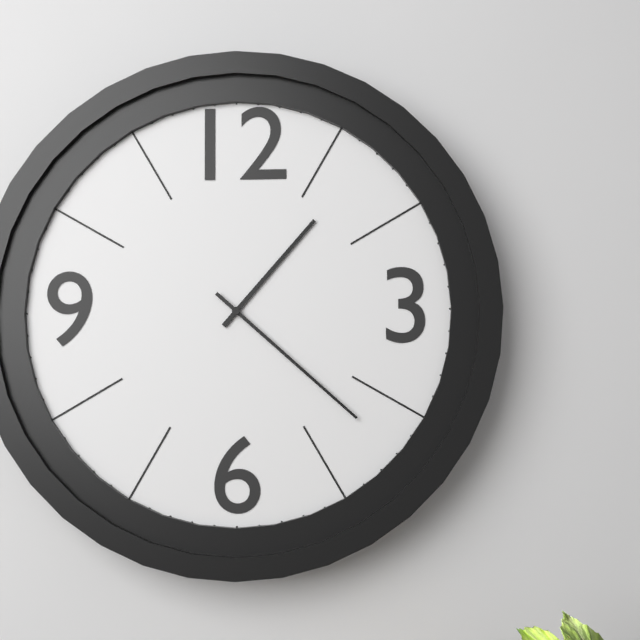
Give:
1h22
